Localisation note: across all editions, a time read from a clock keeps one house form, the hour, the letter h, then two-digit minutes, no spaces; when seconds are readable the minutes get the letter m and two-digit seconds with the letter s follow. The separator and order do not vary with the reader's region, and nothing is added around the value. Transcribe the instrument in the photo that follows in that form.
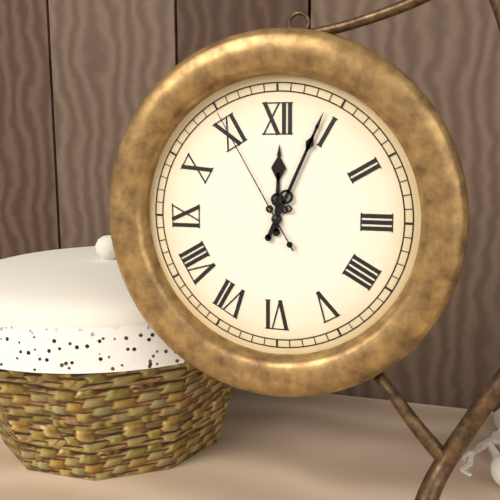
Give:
12h04m55s
